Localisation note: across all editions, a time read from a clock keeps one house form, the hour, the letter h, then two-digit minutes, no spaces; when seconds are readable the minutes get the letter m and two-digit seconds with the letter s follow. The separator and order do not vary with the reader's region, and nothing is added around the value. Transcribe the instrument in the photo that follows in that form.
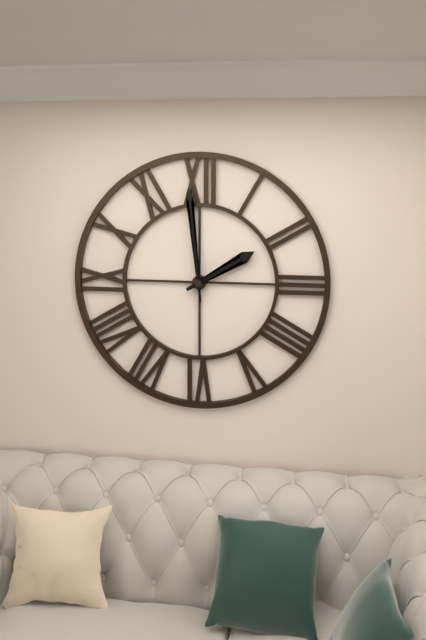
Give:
1h59
